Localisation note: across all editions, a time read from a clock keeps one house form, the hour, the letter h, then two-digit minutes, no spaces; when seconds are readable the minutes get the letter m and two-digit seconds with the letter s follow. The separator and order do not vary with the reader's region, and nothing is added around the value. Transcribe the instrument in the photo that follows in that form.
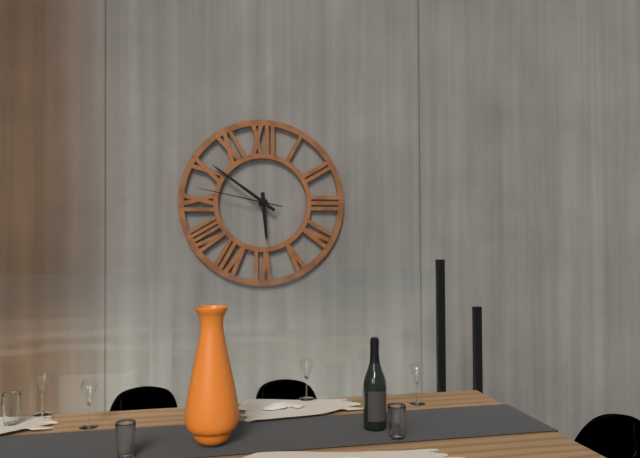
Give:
5h51m47s
